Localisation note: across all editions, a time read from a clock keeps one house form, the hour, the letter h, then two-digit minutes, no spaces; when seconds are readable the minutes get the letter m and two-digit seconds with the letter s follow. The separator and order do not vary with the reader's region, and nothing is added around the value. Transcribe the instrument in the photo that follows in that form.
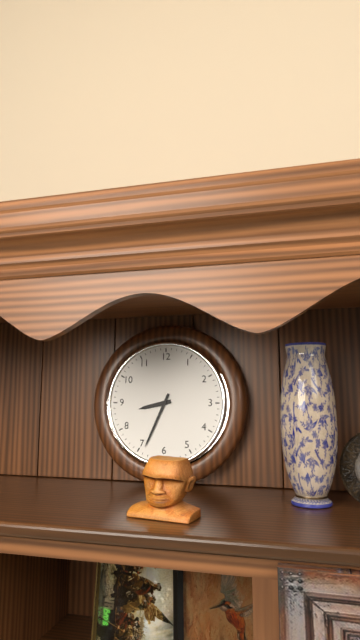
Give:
8h34
